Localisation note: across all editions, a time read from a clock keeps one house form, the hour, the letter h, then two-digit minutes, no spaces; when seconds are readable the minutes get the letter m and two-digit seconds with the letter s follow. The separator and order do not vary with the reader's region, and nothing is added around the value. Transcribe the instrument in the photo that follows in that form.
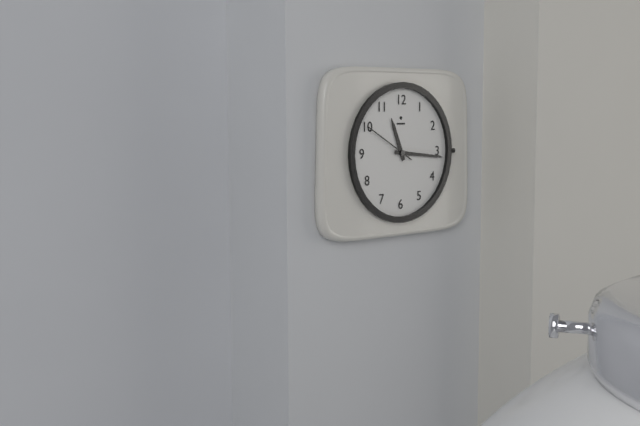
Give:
11h16m50s
